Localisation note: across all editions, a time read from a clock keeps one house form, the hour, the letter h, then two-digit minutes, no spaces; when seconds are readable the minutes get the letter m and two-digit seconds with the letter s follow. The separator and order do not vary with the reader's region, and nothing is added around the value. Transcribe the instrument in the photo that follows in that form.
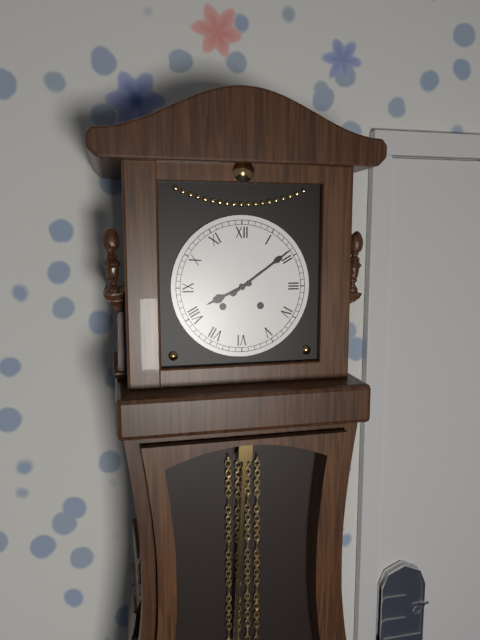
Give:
8h09
